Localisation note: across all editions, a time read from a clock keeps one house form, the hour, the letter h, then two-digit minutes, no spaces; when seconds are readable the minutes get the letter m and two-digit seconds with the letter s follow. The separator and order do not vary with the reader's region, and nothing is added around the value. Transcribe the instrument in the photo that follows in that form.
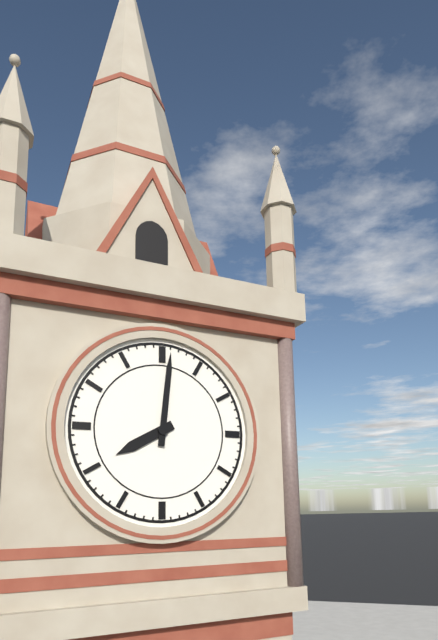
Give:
8h01
